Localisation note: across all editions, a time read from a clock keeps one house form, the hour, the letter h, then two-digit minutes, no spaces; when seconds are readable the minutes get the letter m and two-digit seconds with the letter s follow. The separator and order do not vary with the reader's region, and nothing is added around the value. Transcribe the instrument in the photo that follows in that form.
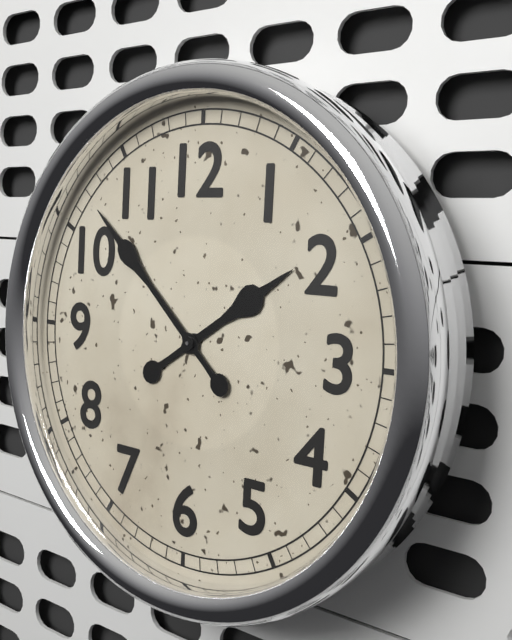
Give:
1h52
